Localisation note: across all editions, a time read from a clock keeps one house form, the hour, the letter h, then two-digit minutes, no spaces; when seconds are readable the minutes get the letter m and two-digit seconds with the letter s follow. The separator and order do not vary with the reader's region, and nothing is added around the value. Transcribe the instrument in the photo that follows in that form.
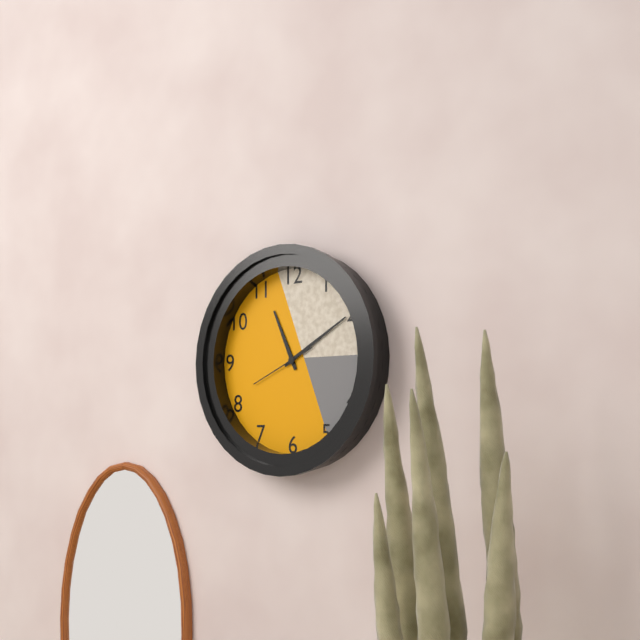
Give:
11h10m41s
